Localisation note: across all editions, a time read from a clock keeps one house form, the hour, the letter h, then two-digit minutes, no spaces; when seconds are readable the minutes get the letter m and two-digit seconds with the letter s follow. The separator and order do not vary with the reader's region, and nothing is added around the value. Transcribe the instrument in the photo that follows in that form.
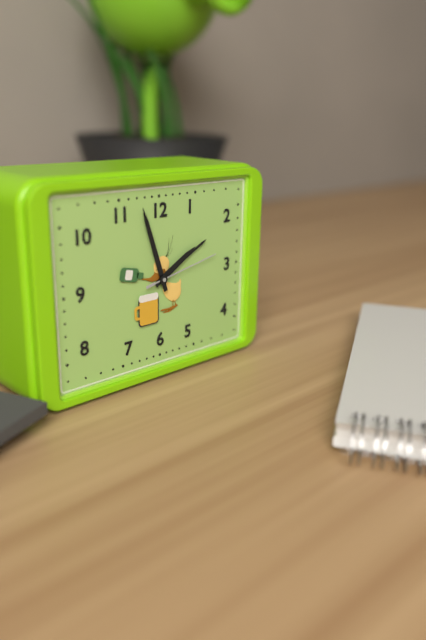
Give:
1h57m13s
